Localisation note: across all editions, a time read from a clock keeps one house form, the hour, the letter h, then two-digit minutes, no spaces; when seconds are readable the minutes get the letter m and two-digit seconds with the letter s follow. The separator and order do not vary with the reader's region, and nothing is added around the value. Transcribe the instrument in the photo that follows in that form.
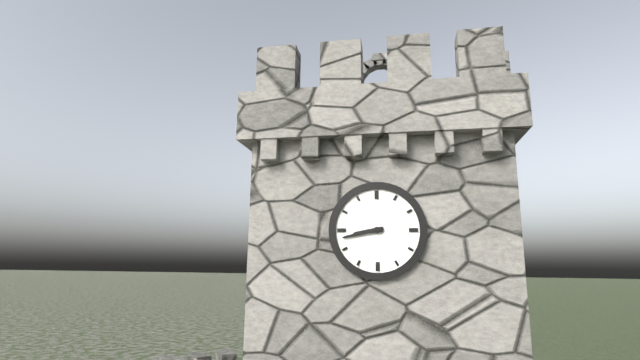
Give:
8h43
